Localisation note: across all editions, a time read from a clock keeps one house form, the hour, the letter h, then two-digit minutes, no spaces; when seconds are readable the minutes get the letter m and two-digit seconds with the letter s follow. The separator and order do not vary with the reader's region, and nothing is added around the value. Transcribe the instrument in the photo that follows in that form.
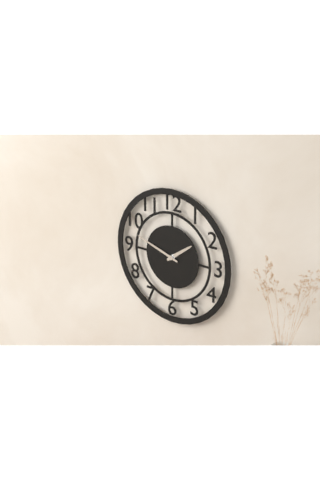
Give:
1h48
